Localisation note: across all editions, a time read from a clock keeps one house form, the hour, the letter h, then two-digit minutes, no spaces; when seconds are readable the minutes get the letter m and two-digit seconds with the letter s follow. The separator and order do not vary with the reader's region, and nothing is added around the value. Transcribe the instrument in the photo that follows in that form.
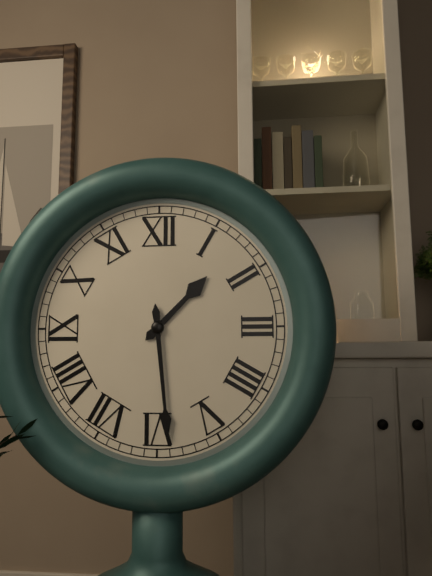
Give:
1h29
